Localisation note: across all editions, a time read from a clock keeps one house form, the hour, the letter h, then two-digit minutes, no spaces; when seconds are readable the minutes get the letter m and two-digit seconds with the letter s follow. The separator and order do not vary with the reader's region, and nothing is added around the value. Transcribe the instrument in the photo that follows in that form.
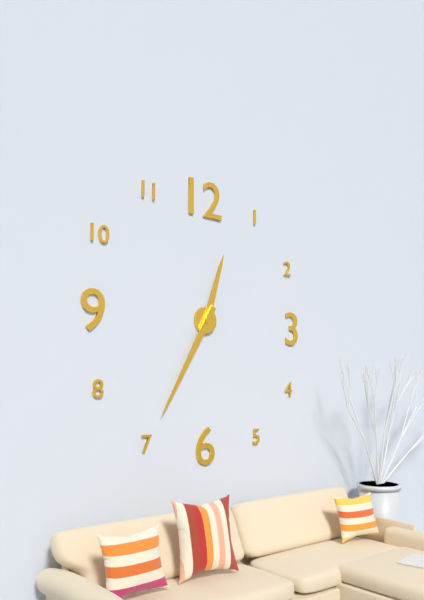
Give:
12h35
